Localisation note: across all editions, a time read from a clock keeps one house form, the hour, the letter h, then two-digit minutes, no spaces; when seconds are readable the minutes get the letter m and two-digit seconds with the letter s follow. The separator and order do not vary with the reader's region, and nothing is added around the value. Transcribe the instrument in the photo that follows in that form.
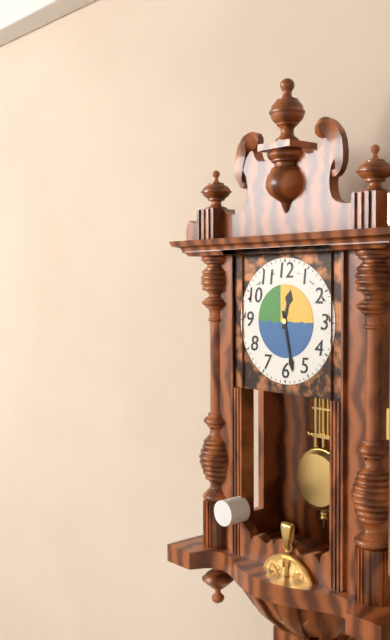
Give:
12h28
